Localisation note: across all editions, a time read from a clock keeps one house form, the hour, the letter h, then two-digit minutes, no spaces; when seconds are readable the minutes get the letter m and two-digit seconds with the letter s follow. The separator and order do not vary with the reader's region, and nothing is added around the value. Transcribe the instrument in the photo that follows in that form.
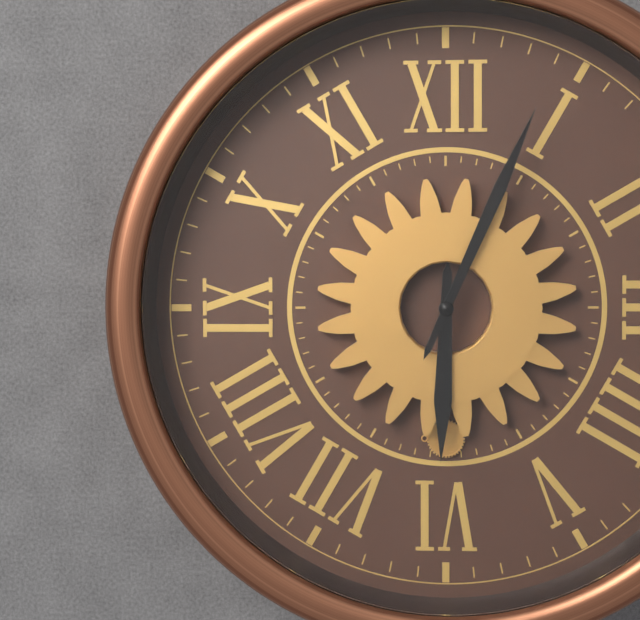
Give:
6h04
